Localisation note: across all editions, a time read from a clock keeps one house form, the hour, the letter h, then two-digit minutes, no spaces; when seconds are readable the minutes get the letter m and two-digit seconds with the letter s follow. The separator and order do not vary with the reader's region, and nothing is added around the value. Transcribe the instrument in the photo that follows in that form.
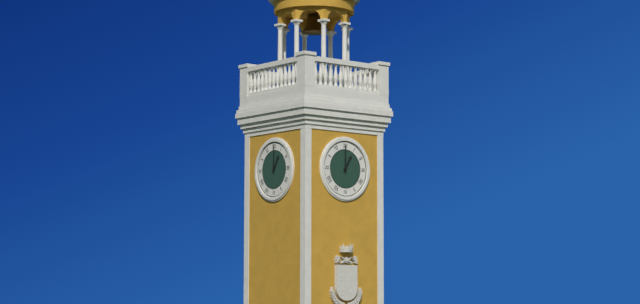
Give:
1h00
